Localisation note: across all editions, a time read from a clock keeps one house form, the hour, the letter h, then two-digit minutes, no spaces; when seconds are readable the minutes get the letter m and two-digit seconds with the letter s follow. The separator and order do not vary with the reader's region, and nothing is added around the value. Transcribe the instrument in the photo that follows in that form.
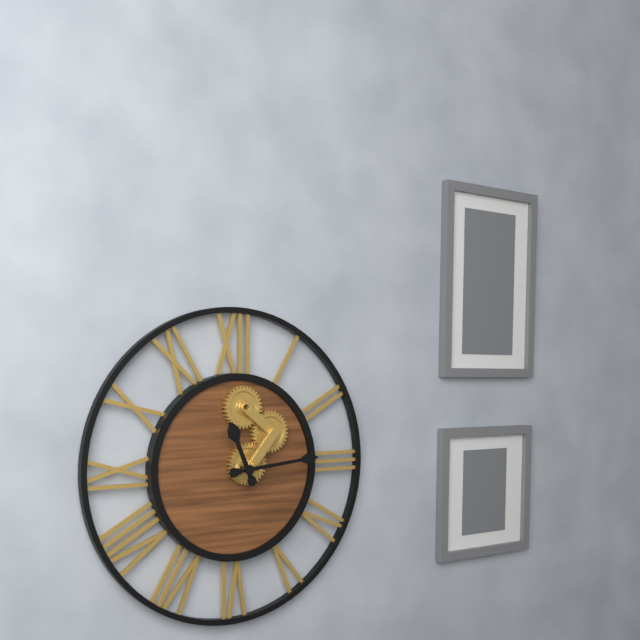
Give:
11h14
